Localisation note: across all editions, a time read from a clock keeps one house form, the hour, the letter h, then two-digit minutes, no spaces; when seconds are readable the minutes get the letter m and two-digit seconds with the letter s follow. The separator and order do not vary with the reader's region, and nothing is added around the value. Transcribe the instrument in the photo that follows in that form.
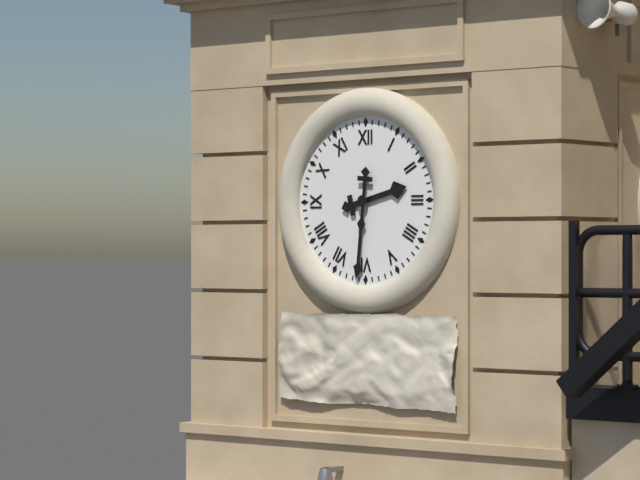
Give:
2h31
